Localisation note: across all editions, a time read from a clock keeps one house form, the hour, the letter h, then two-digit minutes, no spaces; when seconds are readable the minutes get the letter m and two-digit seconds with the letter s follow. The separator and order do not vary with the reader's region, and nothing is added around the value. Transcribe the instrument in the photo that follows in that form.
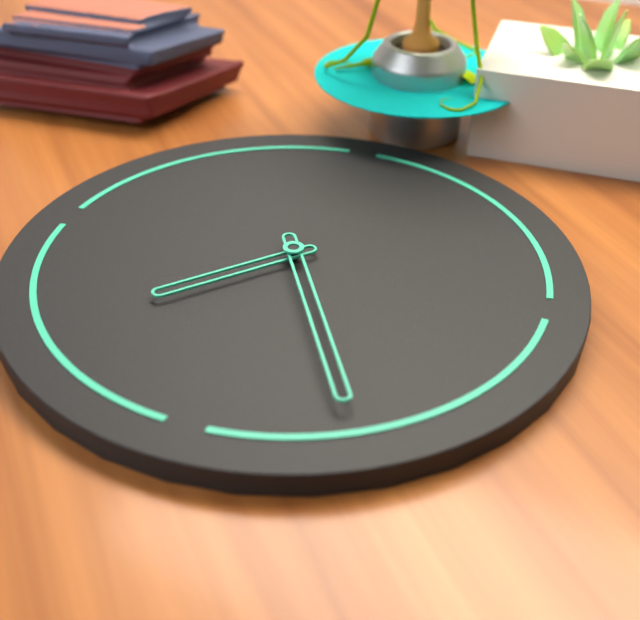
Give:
7h25
